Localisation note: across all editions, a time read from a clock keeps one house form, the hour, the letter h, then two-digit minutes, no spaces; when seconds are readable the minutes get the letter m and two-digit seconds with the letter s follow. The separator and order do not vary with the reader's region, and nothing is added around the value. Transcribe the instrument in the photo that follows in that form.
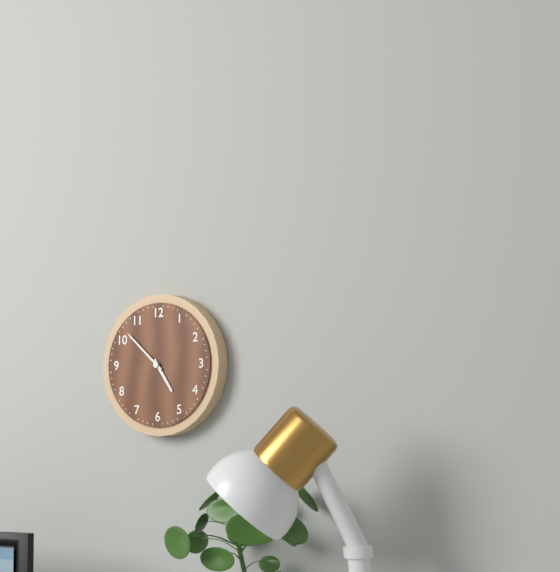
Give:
4h52
